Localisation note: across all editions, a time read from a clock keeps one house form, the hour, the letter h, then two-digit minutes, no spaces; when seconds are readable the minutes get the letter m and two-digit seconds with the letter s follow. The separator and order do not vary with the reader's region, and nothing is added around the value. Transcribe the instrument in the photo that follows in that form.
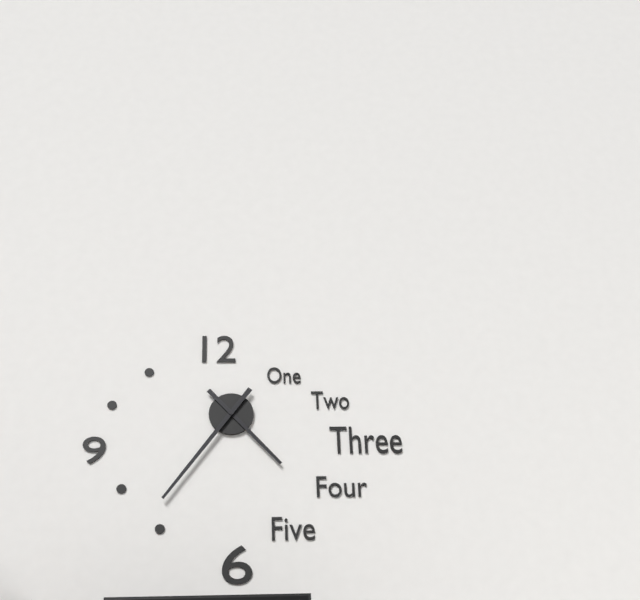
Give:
4h36
